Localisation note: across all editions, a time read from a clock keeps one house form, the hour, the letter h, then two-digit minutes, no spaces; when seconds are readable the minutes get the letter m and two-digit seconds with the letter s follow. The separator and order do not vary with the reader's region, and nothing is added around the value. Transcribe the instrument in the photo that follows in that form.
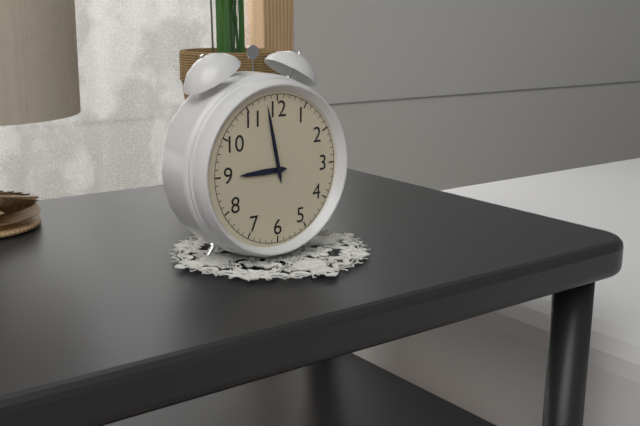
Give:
8h58
